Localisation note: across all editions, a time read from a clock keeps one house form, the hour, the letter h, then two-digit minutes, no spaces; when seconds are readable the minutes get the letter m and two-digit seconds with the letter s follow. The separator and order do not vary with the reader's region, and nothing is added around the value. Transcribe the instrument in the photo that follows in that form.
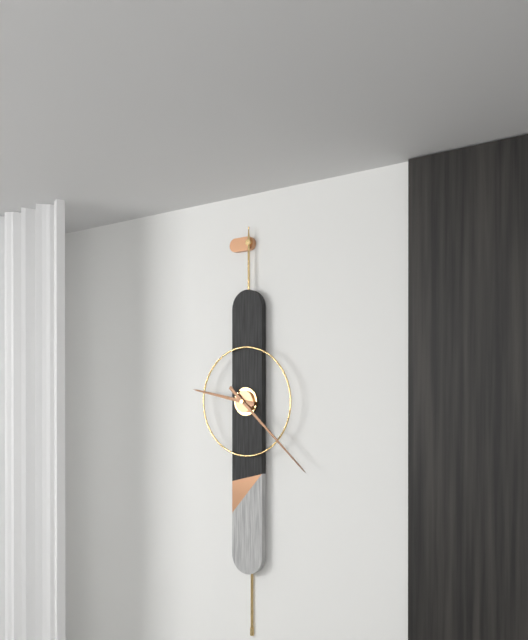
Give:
9h22
